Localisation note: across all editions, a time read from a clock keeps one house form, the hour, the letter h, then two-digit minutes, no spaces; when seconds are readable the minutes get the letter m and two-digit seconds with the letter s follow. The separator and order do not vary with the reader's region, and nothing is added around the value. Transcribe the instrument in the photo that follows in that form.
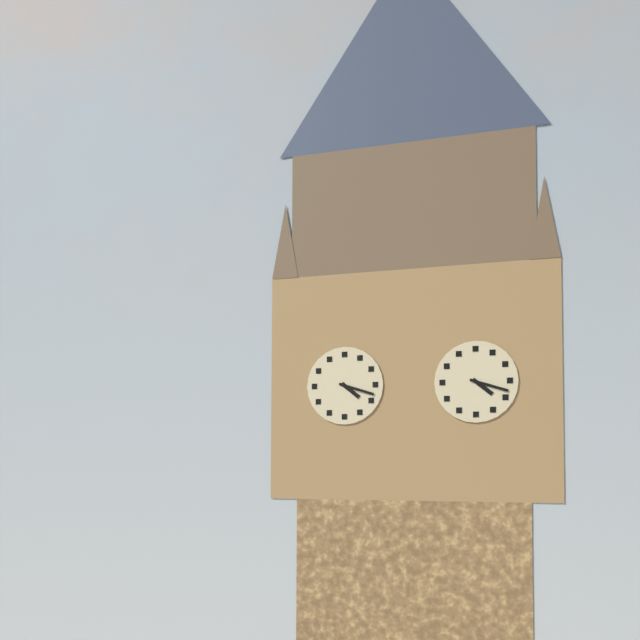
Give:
4h18
